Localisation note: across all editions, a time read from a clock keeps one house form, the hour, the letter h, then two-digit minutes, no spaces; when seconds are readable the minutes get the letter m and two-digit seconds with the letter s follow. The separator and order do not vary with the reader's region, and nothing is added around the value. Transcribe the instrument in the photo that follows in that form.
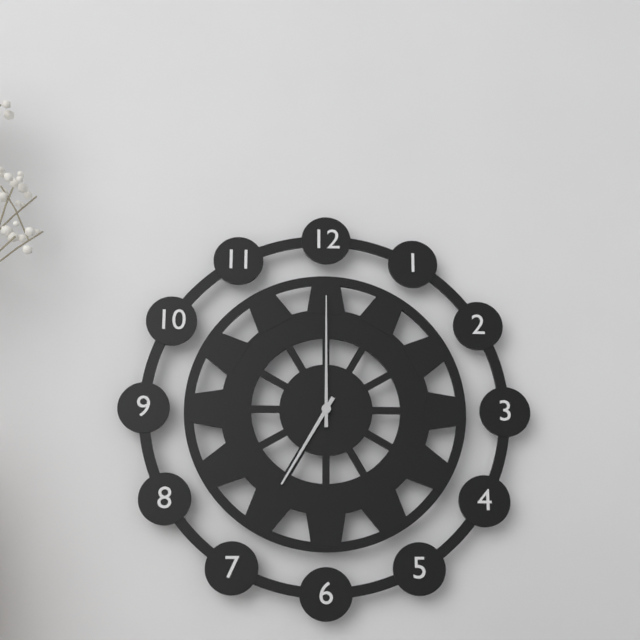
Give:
7h00
